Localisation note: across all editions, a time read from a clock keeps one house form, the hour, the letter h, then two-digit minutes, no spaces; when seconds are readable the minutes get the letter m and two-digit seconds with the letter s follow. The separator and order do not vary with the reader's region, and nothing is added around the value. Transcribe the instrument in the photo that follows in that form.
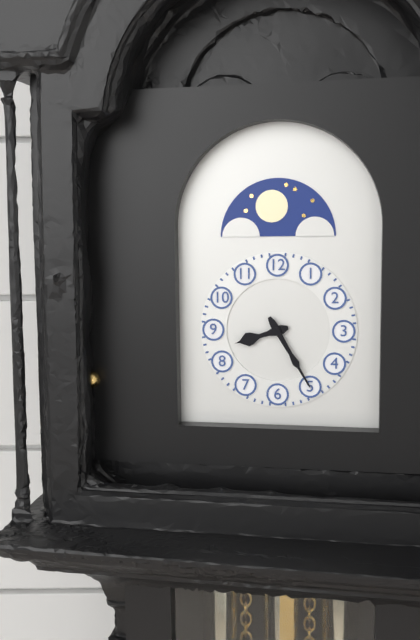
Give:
8h25
